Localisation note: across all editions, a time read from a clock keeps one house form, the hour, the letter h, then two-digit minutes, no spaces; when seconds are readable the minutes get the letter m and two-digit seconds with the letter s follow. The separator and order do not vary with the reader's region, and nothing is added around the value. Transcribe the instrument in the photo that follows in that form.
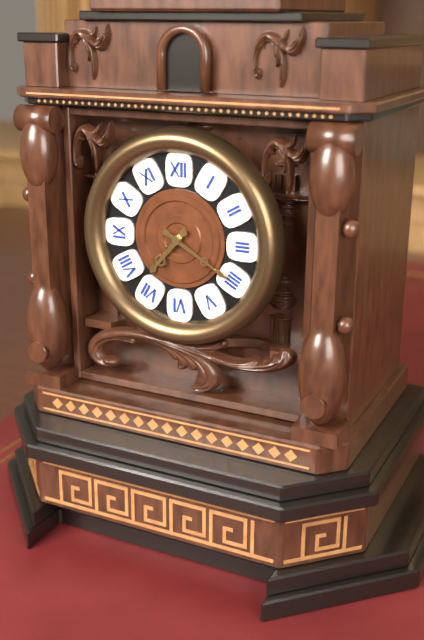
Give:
7h20
